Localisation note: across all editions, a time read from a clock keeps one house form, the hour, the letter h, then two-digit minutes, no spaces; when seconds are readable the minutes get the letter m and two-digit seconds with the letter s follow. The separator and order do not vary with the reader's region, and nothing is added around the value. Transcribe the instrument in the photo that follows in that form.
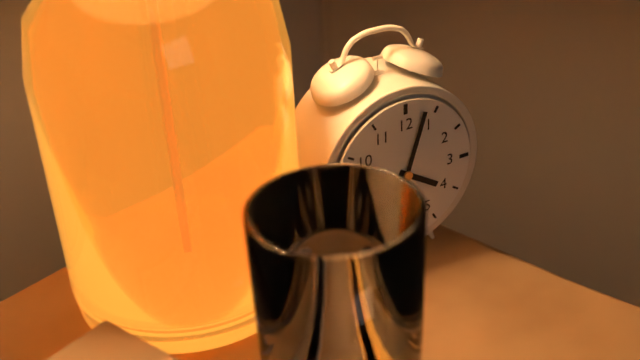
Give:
4h03
